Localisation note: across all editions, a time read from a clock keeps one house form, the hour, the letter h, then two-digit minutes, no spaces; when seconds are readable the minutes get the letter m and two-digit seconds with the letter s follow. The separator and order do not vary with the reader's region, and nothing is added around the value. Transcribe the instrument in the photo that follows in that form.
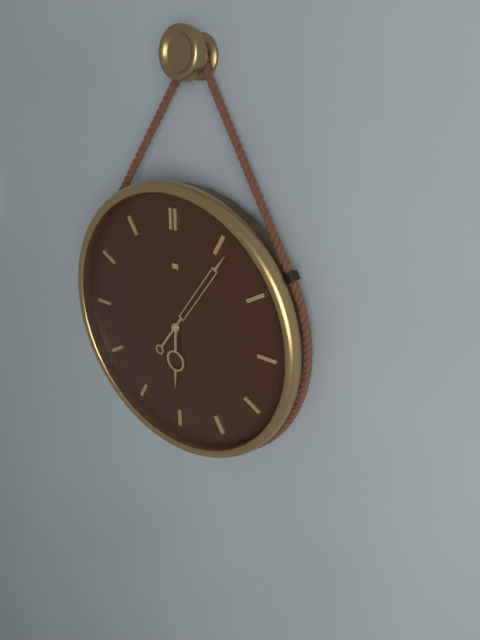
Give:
6h06
